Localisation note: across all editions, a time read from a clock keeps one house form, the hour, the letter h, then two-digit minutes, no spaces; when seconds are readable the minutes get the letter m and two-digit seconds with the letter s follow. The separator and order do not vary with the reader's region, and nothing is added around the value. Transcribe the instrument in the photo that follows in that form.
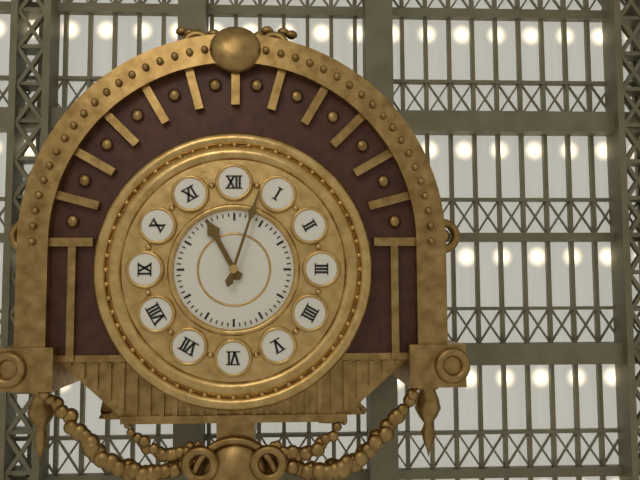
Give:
11h03
